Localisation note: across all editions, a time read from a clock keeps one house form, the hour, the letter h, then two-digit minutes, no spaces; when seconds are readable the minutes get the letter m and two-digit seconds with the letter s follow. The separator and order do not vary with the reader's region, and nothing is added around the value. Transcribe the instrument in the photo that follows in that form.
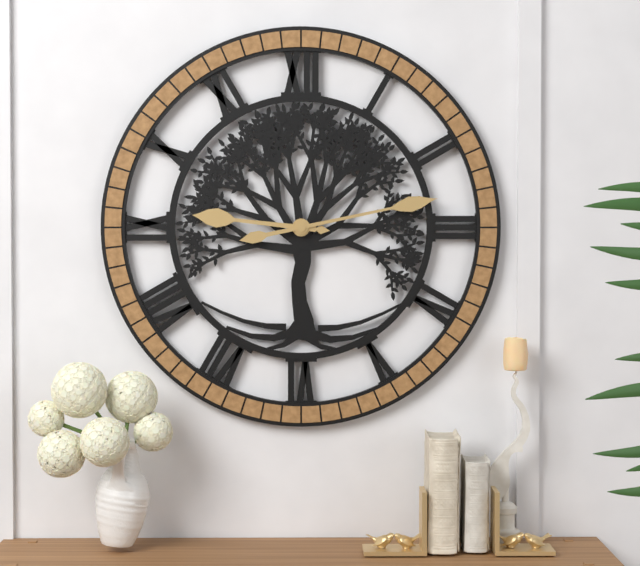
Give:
9h13
